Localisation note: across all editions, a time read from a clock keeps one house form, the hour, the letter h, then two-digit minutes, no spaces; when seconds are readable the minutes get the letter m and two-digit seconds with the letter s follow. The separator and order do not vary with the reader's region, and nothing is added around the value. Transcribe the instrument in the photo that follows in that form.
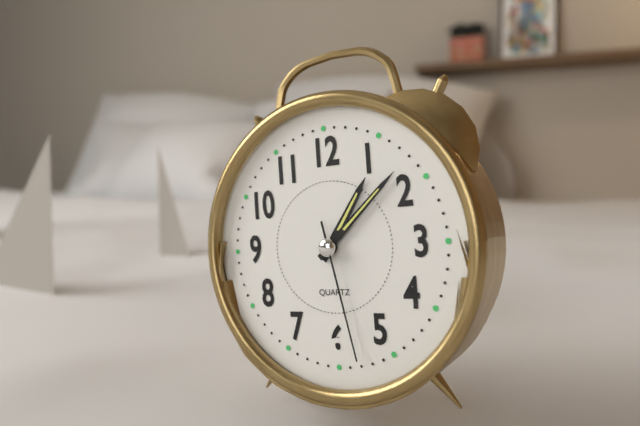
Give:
1h08m28s
